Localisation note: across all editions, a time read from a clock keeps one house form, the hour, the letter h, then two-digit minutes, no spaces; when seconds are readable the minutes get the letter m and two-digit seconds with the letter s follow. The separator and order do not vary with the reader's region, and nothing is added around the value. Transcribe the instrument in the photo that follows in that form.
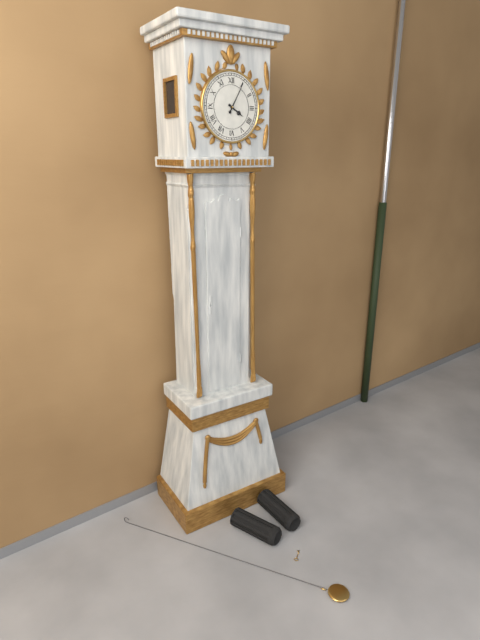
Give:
4h05
